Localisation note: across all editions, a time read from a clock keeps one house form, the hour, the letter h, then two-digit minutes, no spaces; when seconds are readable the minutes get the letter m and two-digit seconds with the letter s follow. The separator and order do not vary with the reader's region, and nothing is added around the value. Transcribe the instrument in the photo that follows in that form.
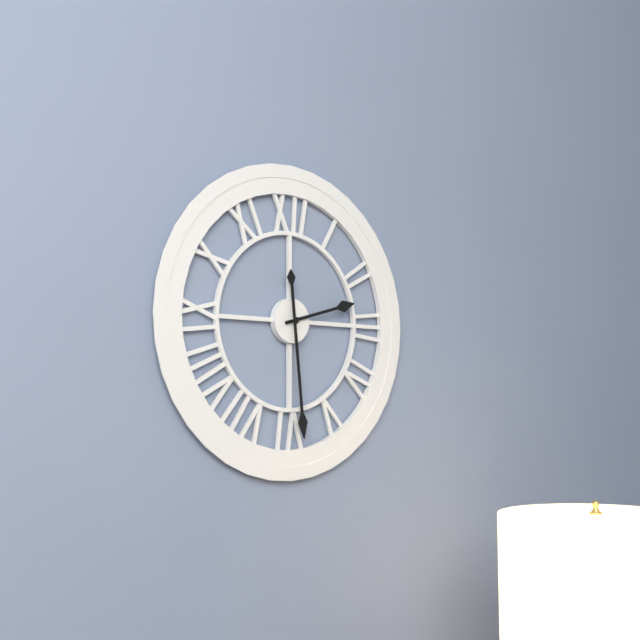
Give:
2h29
